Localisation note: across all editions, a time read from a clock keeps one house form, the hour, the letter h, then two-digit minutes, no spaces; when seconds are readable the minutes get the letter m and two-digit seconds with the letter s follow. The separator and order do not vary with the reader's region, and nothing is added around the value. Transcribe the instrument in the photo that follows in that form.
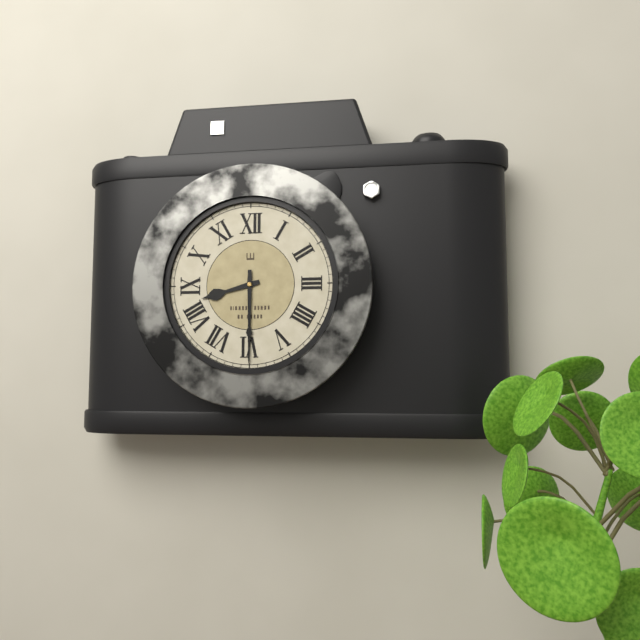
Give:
8h30
